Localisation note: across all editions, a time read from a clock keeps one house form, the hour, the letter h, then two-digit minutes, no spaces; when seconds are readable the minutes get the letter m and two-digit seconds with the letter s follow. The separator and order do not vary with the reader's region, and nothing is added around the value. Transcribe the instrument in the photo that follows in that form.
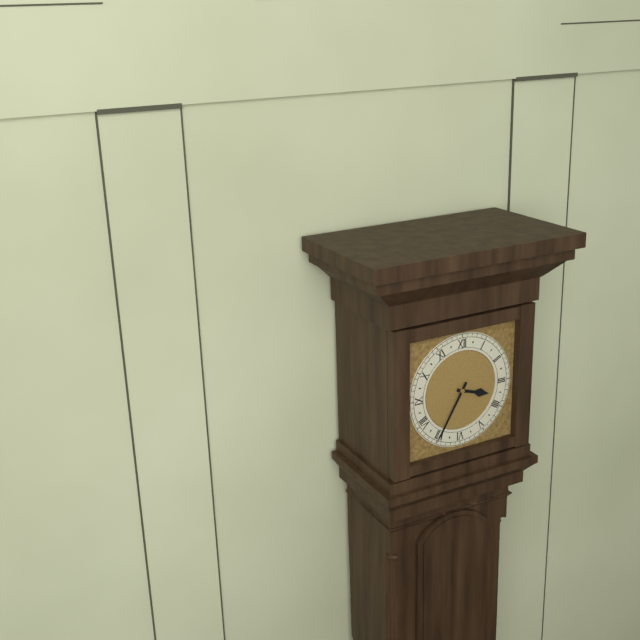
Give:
3h35
